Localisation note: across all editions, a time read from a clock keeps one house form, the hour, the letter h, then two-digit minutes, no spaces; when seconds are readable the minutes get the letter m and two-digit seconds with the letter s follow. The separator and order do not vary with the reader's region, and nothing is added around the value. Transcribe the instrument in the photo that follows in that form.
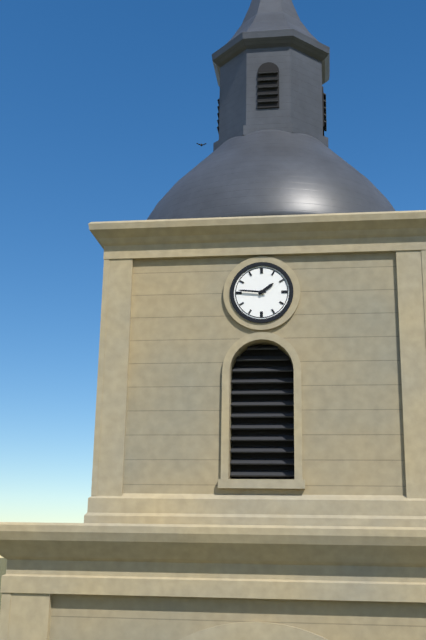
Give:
1h46
